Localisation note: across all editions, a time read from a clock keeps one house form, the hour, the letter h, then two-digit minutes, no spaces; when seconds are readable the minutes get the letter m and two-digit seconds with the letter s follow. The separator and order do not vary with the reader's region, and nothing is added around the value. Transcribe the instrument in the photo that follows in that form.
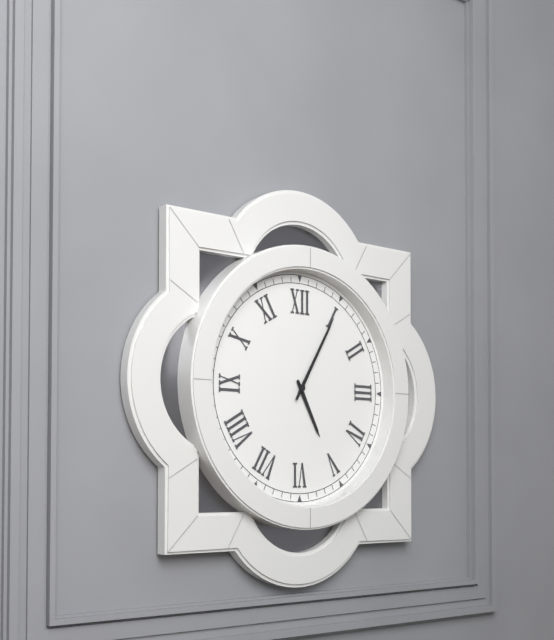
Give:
5h05
